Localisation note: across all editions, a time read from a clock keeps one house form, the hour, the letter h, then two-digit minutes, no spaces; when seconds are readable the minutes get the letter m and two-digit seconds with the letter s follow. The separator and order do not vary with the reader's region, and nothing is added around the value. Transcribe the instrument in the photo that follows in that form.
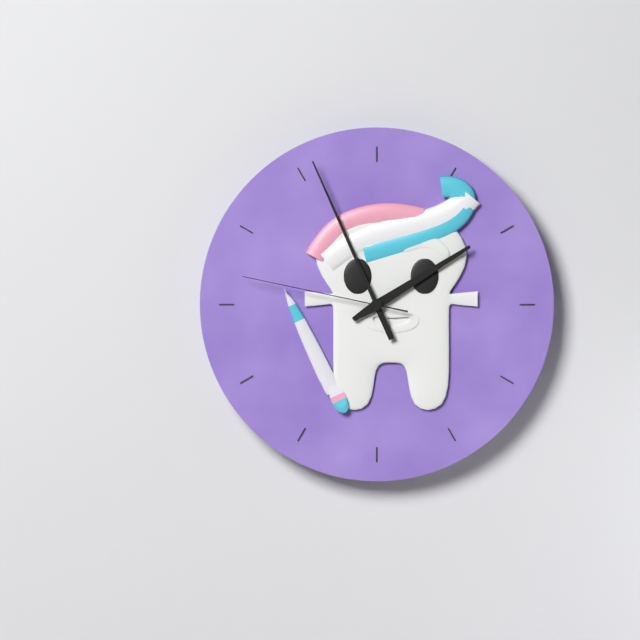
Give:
1h56m47s
